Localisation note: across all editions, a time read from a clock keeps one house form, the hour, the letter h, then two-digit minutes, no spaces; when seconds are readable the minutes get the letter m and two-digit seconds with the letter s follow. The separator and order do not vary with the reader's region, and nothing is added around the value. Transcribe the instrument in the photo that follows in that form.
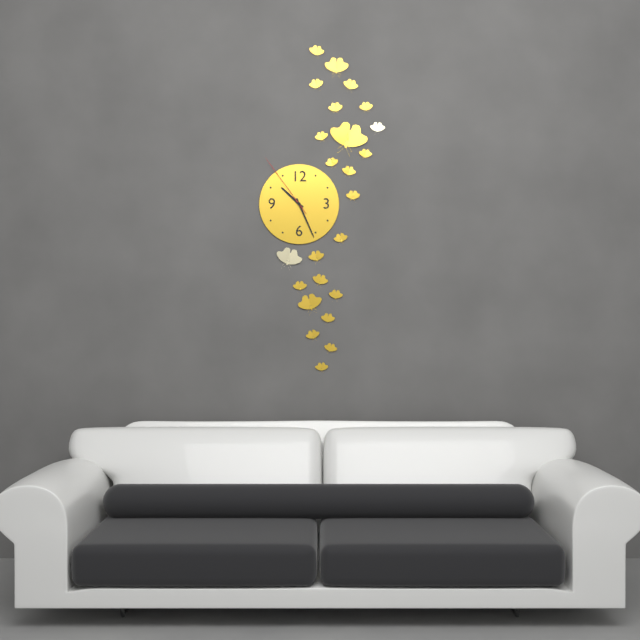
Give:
10h26m54s
